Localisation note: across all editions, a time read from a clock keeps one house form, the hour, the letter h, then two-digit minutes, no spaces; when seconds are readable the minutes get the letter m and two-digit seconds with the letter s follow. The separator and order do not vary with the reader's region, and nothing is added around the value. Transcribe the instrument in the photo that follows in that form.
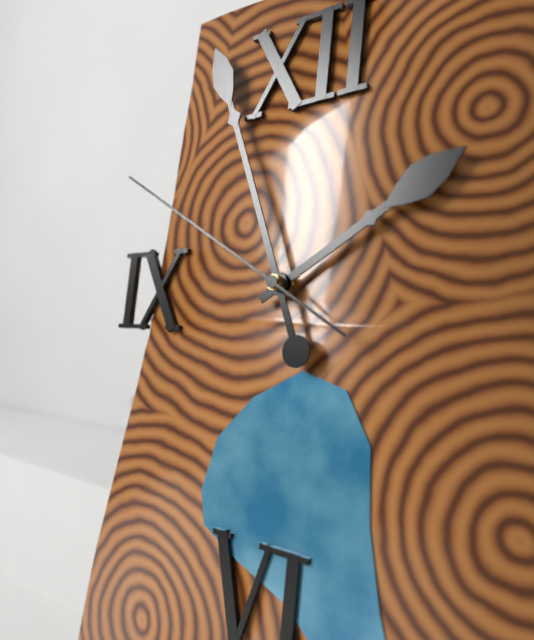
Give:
1h56m50s
